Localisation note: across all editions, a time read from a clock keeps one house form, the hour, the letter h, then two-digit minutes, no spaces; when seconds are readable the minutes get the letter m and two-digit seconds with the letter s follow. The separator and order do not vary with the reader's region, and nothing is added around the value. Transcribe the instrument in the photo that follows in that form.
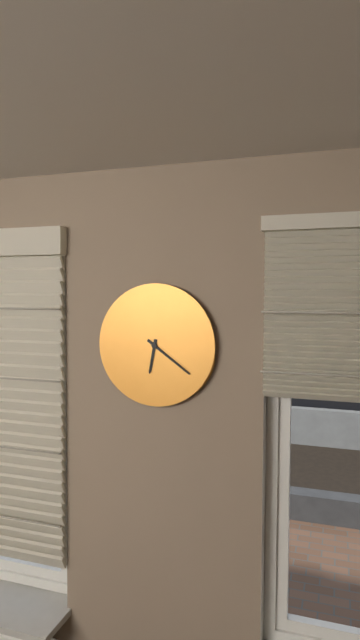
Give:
6h21
